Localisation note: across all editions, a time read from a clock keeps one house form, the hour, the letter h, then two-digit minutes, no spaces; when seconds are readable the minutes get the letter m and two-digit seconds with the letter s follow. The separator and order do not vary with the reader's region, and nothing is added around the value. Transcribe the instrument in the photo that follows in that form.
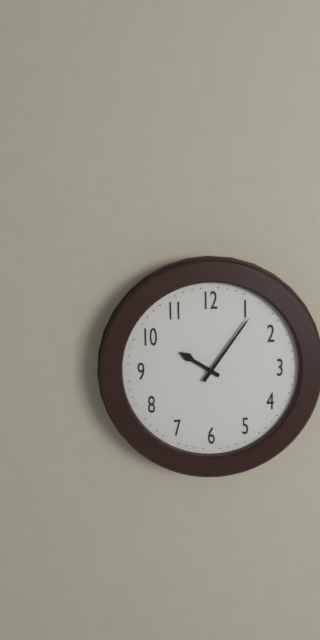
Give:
10h06
